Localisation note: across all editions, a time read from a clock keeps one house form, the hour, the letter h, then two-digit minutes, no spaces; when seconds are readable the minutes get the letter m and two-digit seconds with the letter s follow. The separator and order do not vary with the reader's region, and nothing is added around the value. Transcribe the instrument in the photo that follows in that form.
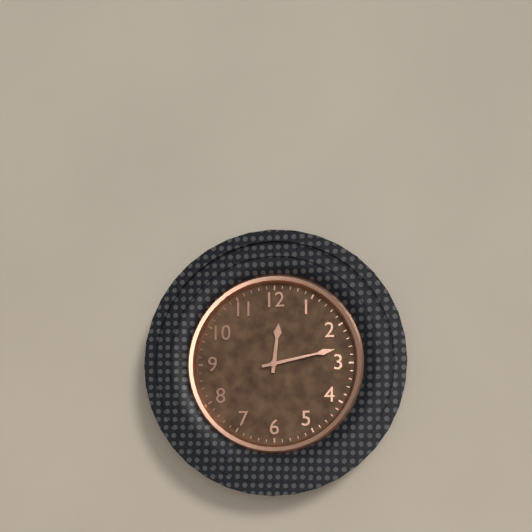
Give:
12h13
